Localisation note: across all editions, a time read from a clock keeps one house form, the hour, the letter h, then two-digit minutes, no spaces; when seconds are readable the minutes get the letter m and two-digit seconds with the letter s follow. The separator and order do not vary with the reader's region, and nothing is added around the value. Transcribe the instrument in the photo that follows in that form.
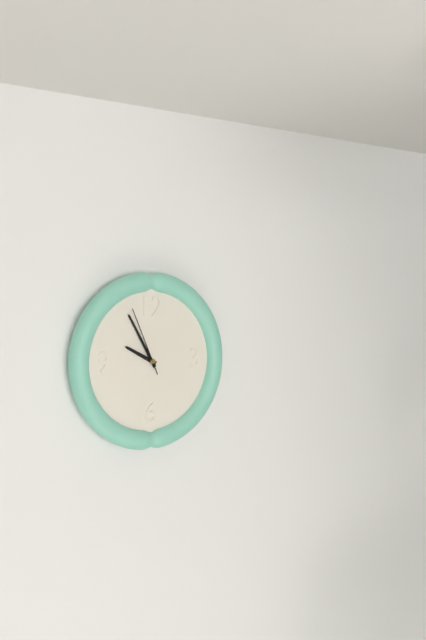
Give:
9h55m56s
